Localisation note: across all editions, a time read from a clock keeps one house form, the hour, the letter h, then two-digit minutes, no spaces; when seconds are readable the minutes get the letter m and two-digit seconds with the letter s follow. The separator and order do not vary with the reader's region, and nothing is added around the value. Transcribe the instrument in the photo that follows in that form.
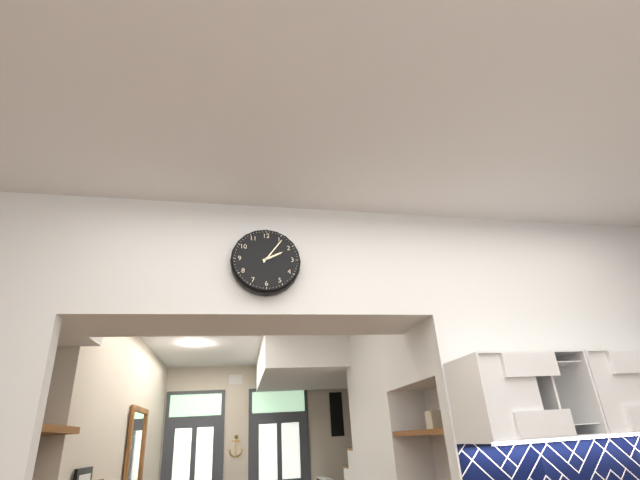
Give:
2h06
